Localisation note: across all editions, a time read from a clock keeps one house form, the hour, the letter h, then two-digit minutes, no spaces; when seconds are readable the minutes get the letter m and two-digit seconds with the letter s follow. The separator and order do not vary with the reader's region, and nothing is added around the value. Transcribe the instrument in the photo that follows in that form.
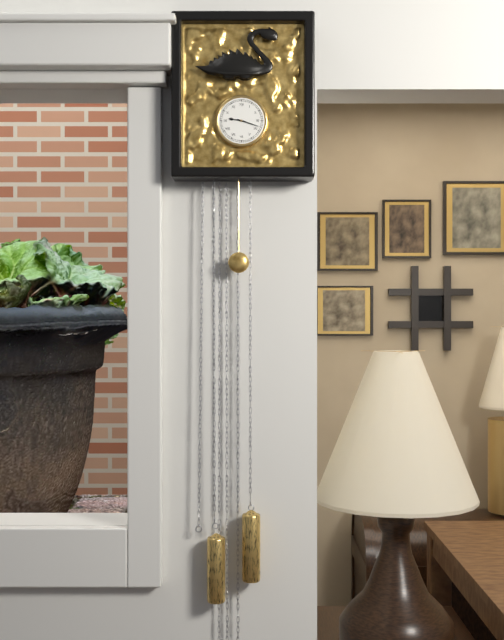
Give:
9h18
